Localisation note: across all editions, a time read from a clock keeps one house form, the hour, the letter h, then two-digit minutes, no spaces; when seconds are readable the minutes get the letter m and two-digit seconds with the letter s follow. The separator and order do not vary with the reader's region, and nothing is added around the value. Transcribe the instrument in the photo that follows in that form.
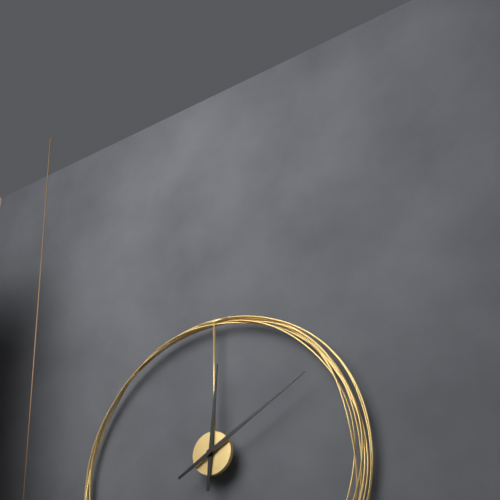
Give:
12h10
